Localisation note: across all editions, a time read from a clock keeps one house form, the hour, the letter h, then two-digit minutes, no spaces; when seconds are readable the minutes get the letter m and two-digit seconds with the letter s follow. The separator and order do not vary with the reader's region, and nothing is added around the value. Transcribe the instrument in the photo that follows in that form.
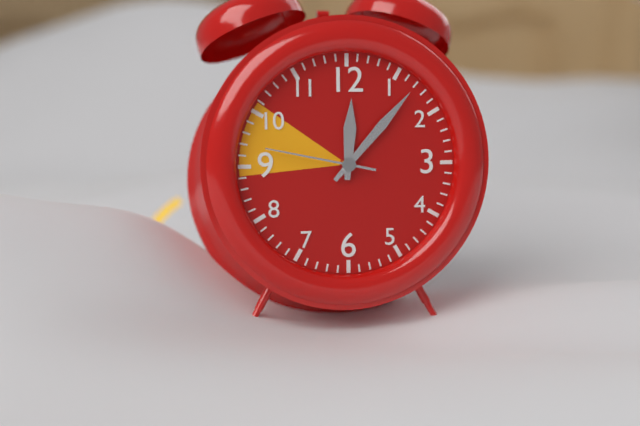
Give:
12h07m47s
